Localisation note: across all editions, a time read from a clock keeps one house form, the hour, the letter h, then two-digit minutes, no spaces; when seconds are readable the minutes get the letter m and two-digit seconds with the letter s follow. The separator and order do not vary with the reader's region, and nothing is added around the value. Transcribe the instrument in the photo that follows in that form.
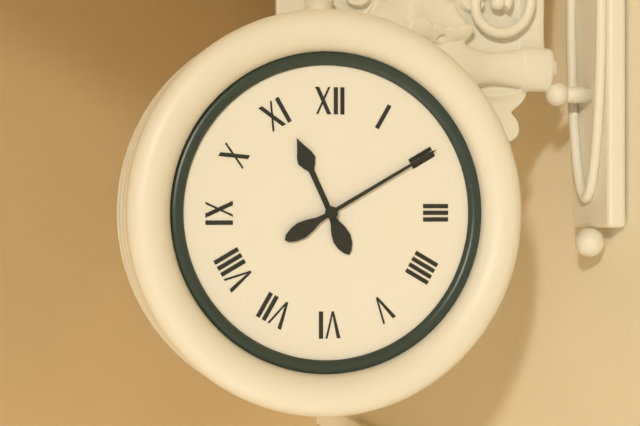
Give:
11h10
